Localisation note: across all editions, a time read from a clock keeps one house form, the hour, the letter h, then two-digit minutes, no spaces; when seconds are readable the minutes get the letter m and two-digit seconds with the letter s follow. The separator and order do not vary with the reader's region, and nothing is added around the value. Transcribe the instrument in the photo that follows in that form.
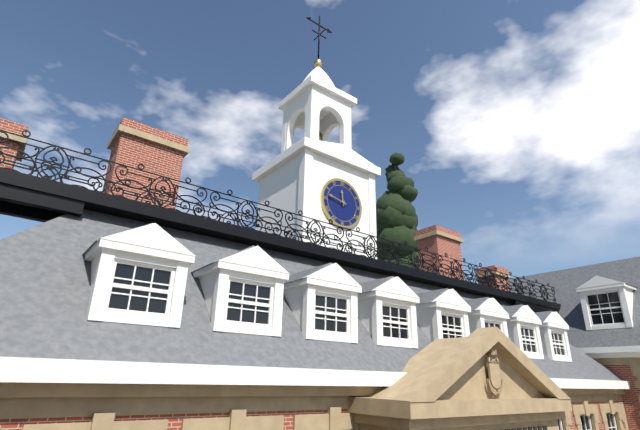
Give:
11h47
